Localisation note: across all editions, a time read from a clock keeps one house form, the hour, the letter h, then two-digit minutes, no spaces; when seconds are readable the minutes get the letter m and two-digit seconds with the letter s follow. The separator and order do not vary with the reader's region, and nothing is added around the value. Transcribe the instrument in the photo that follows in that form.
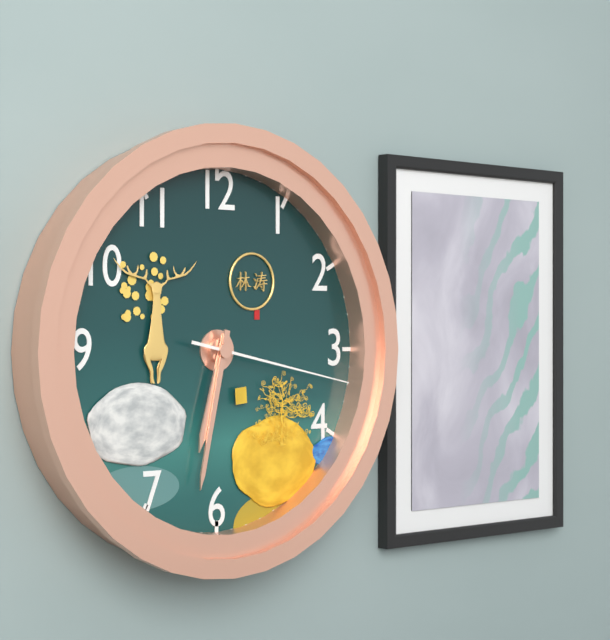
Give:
6h32m17s
